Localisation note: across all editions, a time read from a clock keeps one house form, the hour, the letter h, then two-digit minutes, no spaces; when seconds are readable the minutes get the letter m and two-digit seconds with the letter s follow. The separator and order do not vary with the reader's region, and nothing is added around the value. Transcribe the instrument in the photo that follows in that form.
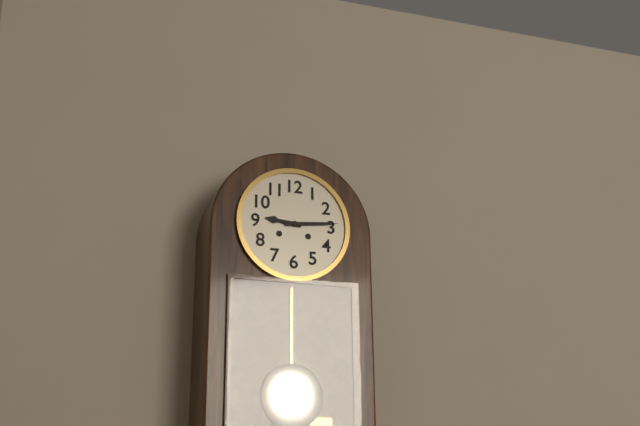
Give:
9h14
